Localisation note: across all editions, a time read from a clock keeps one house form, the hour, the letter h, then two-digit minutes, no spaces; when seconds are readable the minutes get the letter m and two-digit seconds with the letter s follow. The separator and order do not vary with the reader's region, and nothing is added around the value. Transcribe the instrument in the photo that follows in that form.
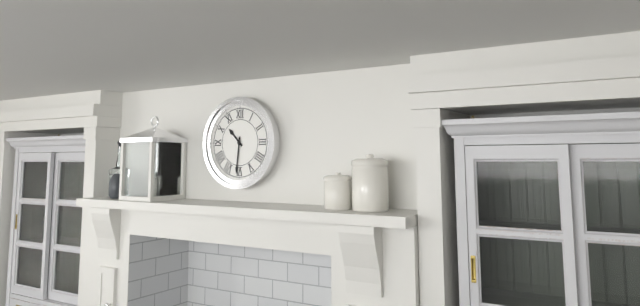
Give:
10h31
